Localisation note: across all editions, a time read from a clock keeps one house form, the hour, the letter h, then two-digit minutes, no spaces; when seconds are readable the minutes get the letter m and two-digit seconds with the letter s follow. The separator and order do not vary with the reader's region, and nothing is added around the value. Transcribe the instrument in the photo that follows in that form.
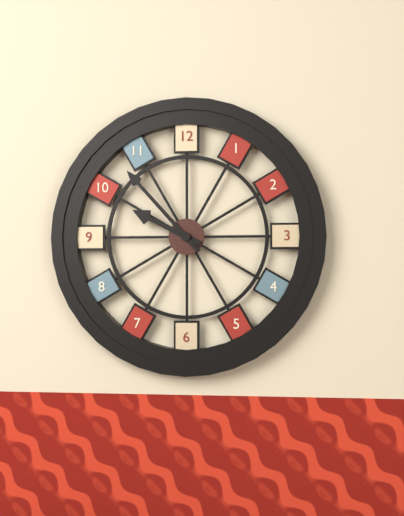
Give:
9h53
